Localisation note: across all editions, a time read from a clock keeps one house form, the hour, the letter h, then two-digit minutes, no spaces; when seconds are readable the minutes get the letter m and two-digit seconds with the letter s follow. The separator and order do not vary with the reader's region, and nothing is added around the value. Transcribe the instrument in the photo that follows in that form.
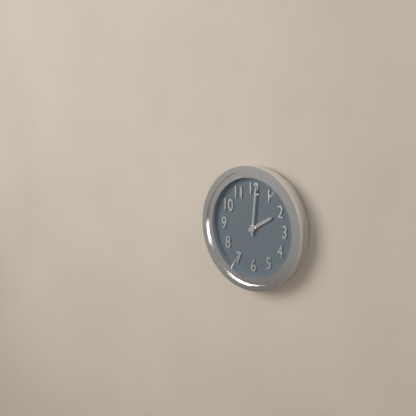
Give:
2h01
